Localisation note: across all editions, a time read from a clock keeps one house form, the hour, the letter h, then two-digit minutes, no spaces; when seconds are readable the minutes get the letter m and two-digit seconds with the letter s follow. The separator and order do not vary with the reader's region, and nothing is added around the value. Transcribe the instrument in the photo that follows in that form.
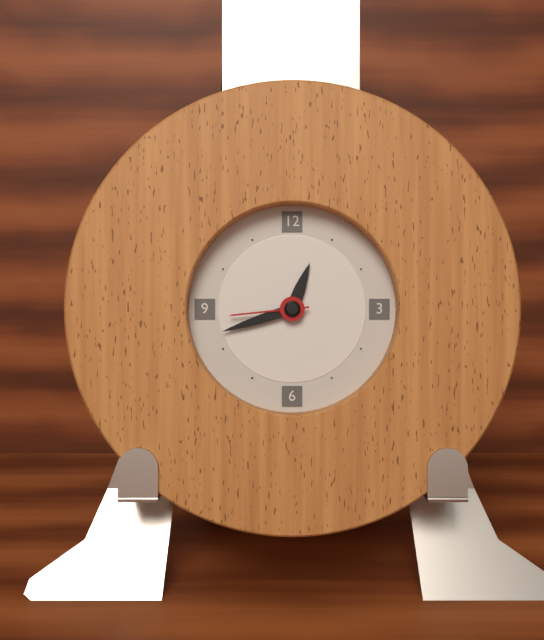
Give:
12h42m44s
